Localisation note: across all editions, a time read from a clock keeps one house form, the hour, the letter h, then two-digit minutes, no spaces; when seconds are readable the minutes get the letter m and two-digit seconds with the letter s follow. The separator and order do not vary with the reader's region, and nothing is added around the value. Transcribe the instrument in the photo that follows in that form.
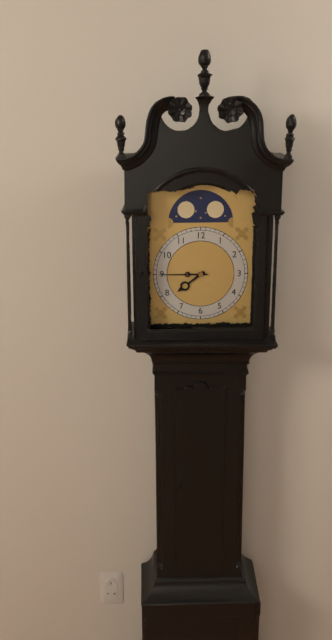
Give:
7h45
